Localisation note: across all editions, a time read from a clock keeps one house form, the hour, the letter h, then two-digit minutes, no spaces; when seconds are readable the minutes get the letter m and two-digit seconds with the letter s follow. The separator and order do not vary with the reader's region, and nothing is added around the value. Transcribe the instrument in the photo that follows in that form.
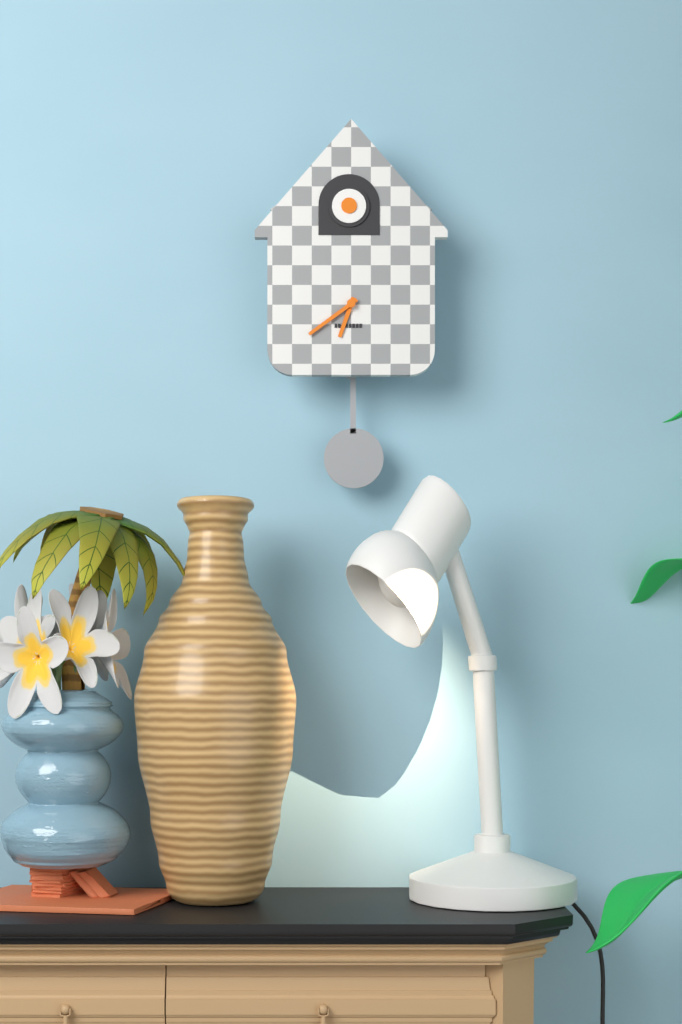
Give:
6h39
